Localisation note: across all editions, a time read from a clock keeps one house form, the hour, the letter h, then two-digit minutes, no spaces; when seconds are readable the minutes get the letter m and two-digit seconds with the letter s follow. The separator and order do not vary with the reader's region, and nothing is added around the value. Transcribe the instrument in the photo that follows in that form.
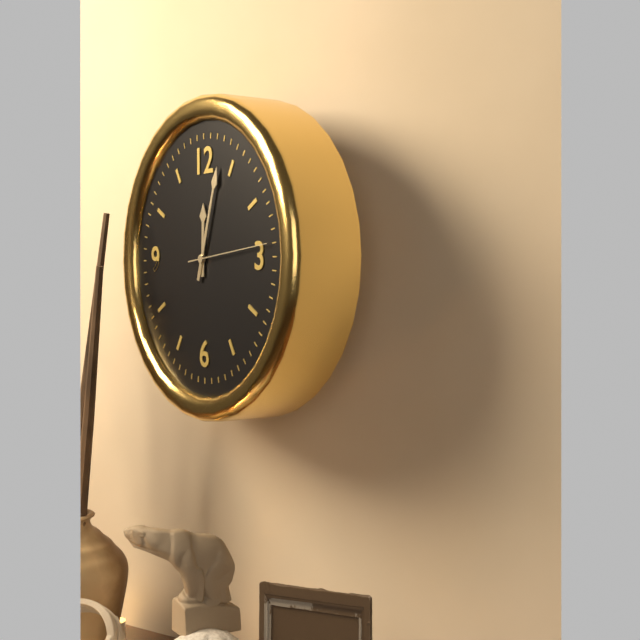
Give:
12h03
